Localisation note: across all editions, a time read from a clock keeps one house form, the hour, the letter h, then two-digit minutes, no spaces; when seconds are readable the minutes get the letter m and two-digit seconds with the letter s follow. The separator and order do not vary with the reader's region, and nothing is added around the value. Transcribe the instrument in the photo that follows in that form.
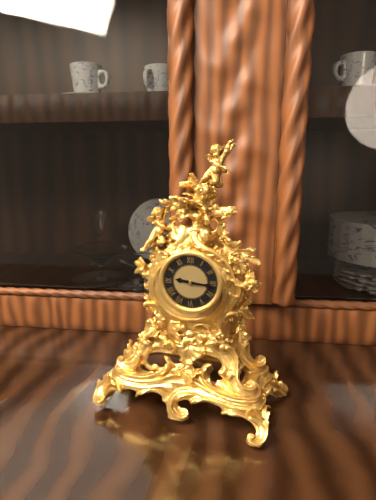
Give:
9h16
